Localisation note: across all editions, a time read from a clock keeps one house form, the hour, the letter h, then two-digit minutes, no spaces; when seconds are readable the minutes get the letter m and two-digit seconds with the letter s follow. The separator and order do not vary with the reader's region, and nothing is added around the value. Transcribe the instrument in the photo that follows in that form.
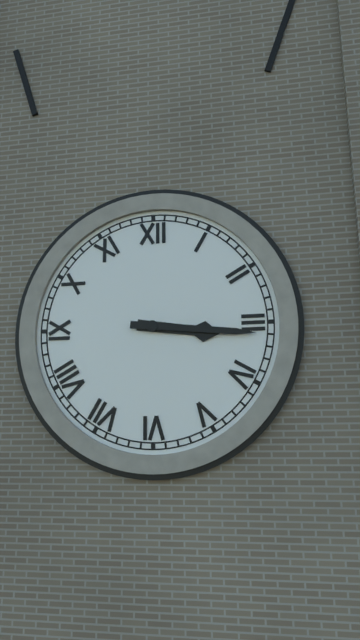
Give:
3h16
